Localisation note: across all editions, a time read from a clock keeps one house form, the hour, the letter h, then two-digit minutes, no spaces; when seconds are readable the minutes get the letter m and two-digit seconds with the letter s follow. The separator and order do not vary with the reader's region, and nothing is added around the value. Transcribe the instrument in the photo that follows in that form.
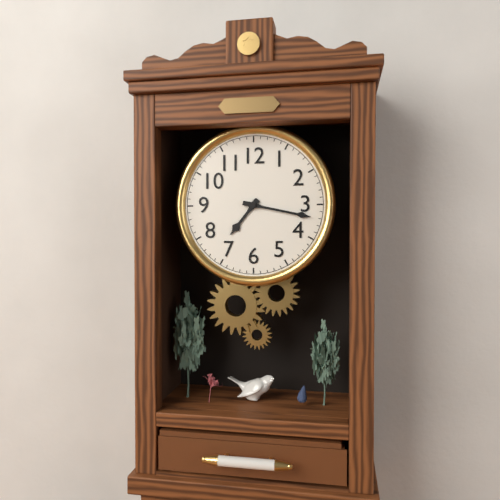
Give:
7h17
